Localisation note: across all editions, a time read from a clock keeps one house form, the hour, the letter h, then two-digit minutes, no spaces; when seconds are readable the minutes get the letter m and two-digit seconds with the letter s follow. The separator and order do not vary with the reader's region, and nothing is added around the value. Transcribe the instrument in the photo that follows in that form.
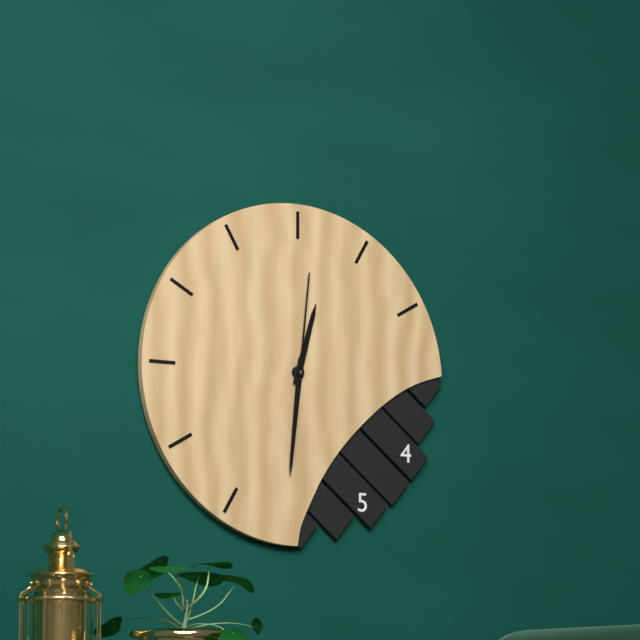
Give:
12h31m01s
